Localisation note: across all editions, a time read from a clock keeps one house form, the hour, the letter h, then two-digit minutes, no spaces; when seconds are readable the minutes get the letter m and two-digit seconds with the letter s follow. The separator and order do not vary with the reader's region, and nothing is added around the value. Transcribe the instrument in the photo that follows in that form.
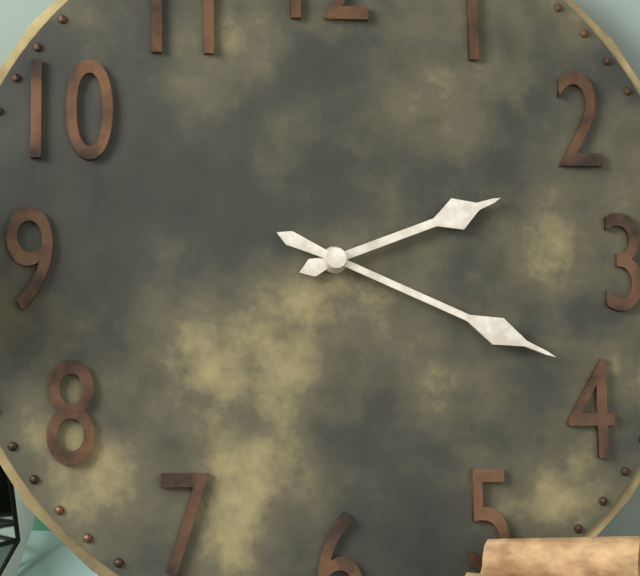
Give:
2h19
